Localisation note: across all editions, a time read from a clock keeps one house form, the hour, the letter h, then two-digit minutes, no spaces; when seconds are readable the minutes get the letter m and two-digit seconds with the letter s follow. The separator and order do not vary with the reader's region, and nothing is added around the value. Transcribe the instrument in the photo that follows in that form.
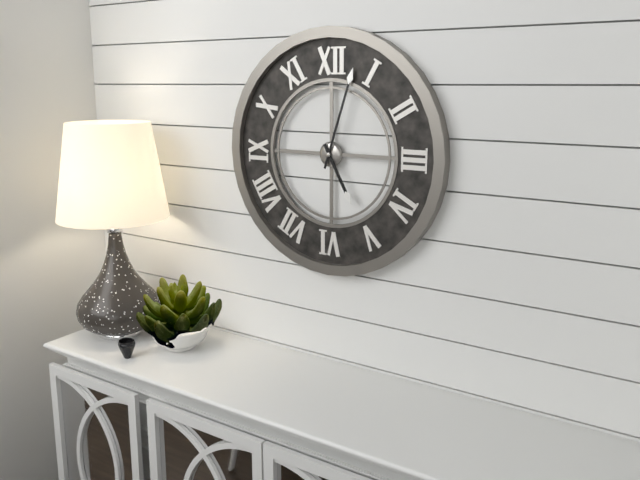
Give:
5h03
